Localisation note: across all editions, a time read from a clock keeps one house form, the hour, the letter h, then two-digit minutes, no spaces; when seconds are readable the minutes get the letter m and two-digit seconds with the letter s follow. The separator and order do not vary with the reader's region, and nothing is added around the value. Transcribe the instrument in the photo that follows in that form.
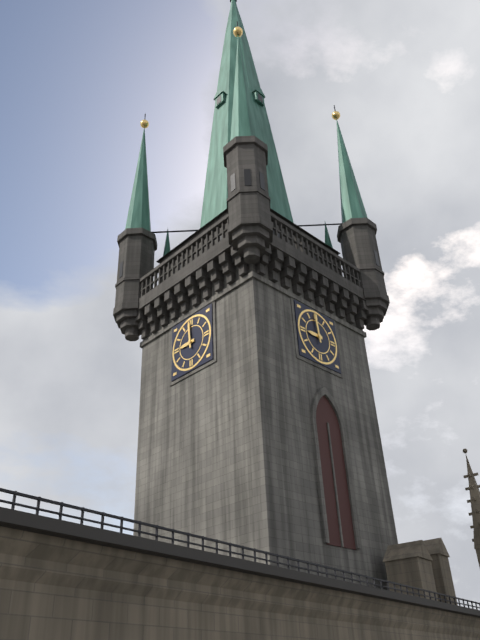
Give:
8h59
